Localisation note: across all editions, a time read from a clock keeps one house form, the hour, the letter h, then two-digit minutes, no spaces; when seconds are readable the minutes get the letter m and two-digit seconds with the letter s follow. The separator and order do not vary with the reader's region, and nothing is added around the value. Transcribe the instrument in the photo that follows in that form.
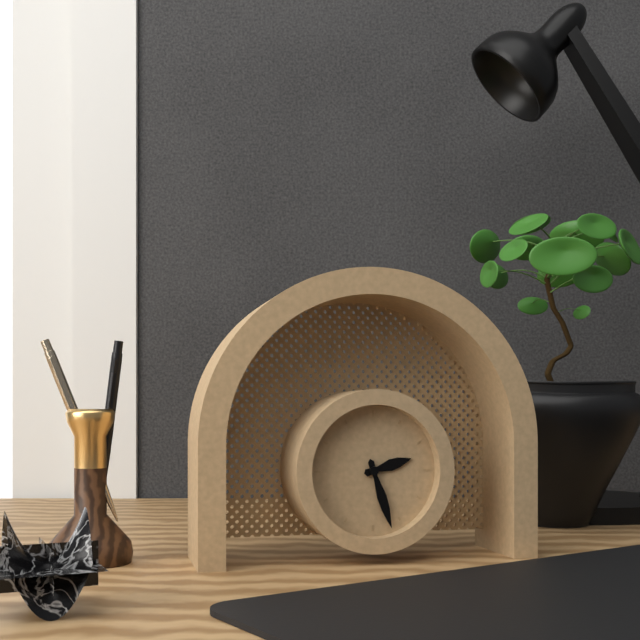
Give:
2h27
